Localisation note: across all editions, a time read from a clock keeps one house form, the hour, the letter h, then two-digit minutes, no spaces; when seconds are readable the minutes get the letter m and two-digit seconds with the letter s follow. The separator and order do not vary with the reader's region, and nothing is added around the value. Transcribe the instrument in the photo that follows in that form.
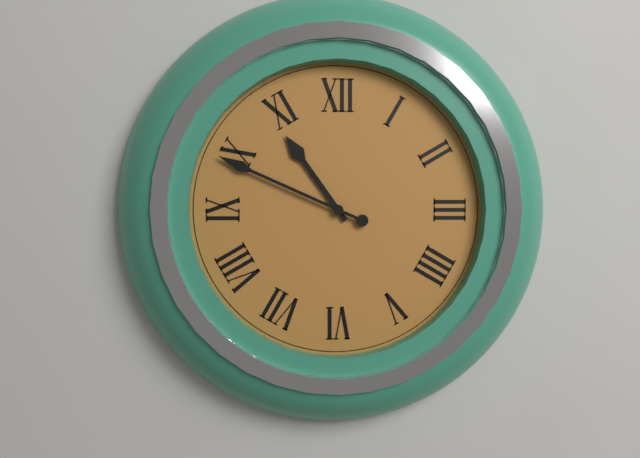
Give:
10h49
